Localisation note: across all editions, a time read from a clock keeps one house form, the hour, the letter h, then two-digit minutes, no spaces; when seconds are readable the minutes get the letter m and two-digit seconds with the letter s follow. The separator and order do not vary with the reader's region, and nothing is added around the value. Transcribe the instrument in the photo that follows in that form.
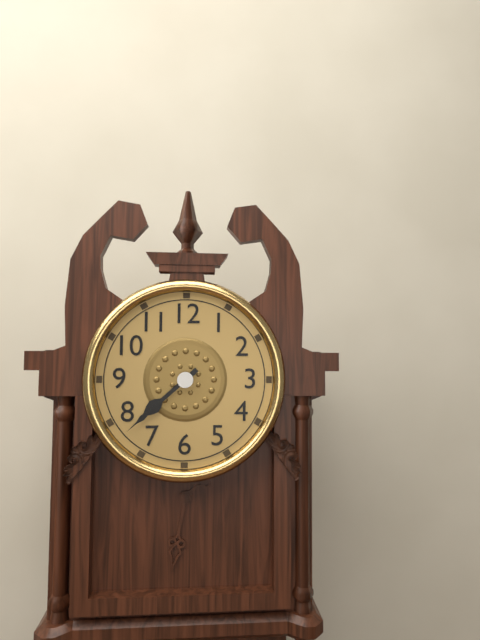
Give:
7h38
